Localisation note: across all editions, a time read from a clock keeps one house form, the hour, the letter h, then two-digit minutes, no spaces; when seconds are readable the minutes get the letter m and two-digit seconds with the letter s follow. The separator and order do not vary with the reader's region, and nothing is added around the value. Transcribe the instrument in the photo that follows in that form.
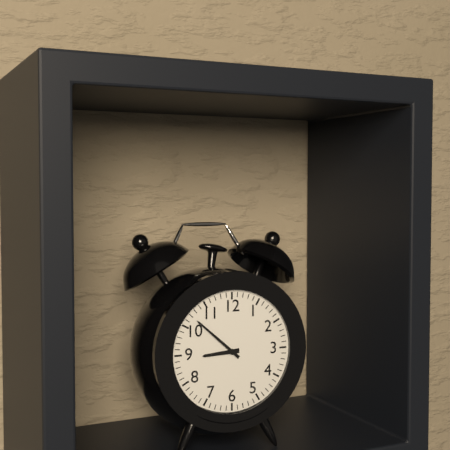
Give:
8h52
